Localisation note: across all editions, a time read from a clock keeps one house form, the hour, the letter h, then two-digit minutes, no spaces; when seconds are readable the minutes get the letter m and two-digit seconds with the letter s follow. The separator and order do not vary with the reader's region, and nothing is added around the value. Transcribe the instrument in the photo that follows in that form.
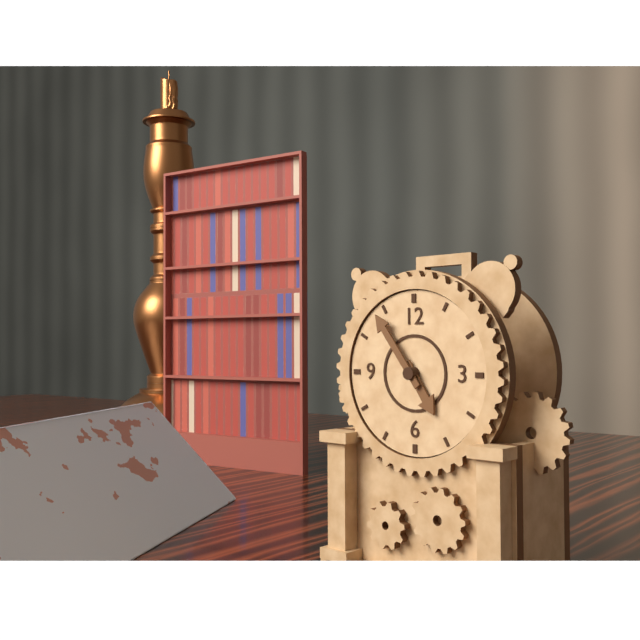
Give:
4h54
